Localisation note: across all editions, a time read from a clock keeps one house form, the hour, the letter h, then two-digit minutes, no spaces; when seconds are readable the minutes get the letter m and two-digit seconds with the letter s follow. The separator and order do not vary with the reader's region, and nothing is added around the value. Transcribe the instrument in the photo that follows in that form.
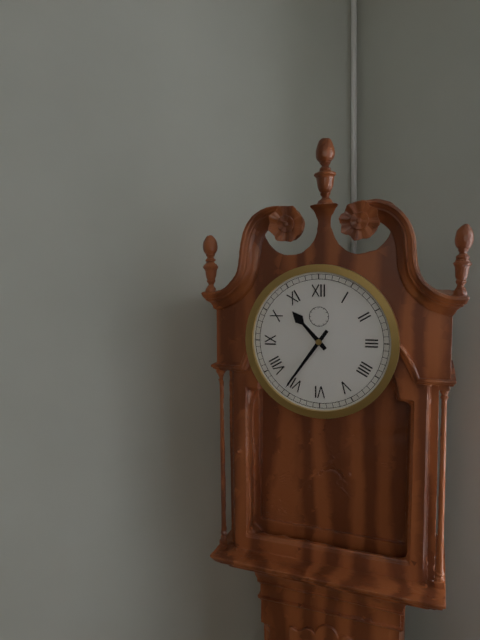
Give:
10h36
